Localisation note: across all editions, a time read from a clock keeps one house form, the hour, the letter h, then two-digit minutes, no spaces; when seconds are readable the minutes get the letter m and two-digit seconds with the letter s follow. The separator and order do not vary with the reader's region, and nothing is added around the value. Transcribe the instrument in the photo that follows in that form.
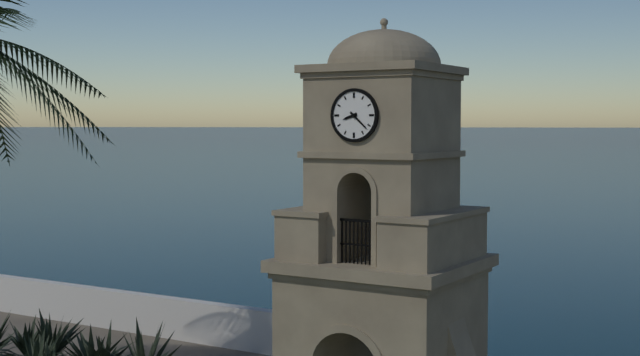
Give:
8h22
